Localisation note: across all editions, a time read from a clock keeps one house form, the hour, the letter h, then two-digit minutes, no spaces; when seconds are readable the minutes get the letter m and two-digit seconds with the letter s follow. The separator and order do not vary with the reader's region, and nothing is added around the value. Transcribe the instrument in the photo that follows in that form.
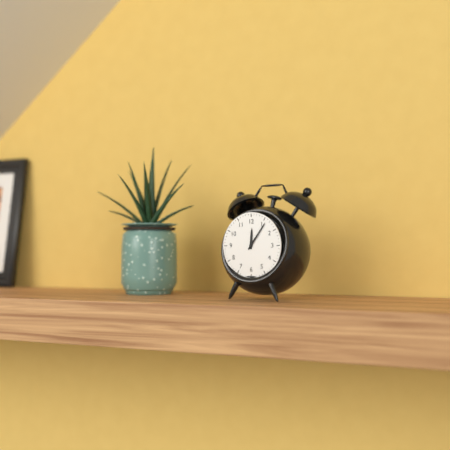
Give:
12h06
